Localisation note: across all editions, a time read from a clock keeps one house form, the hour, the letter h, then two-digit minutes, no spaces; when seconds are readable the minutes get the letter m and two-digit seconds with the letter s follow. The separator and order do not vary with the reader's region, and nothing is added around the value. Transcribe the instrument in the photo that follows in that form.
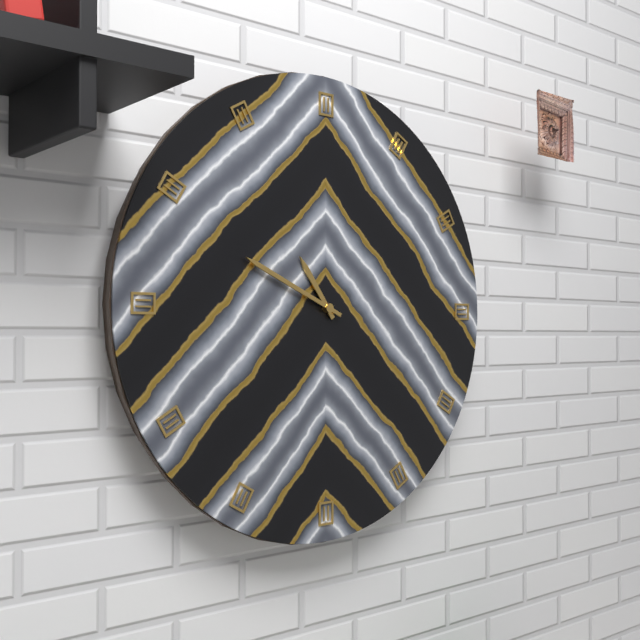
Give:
10h49
